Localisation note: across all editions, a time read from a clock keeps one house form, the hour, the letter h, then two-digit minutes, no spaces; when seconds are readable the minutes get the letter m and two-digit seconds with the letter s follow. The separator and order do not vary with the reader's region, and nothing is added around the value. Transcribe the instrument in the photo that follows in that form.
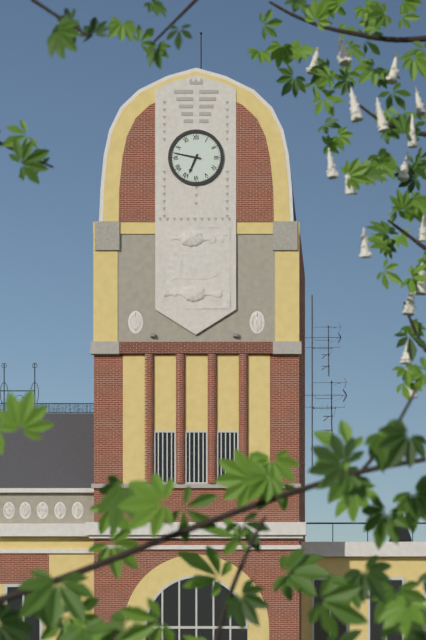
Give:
6h47
